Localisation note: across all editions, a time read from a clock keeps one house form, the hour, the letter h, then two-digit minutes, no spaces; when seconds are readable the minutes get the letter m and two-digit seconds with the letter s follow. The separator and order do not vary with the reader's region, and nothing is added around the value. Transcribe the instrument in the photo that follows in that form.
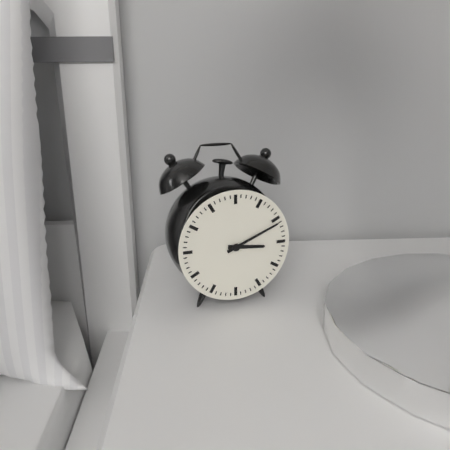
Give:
3h11
